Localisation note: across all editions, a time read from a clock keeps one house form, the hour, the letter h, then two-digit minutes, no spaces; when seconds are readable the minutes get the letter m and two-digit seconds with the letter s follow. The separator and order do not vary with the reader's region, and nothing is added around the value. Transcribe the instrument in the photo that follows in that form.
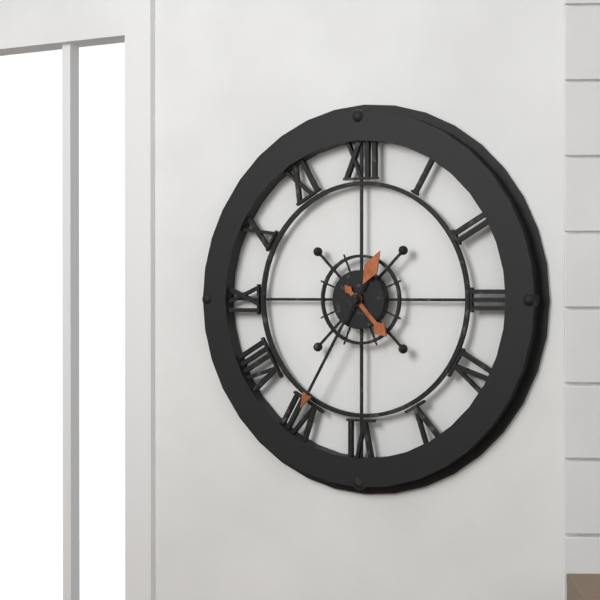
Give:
4h35
